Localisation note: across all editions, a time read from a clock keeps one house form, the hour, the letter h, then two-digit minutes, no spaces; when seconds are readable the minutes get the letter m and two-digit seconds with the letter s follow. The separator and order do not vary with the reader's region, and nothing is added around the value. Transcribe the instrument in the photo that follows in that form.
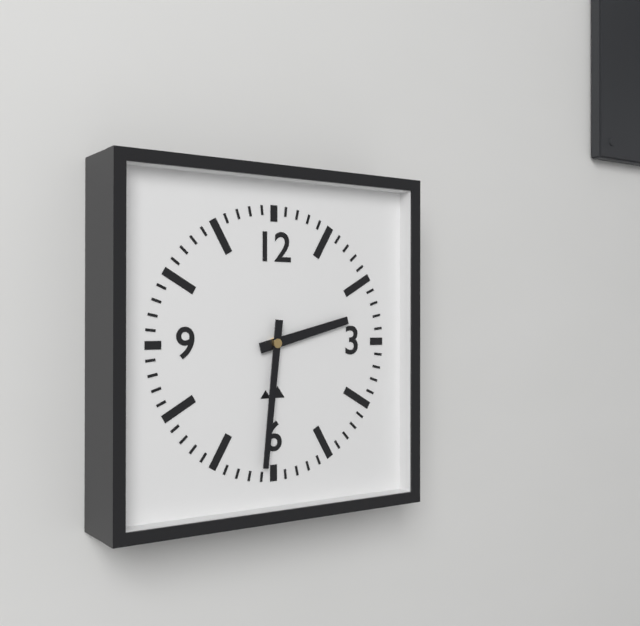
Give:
2h31
